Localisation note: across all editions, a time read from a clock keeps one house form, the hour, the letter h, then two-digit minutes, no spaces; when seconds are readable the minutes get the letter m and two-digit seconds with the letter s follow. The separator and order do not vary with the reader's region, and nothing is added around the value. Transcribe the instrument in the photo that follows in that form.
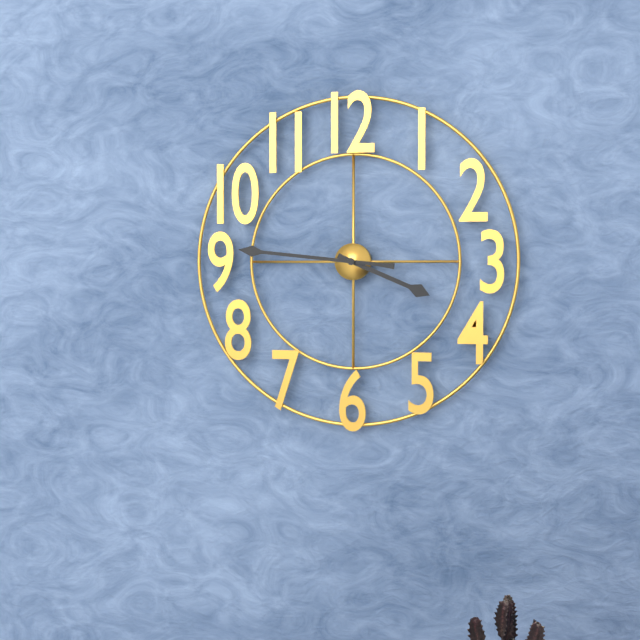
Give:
3h46
